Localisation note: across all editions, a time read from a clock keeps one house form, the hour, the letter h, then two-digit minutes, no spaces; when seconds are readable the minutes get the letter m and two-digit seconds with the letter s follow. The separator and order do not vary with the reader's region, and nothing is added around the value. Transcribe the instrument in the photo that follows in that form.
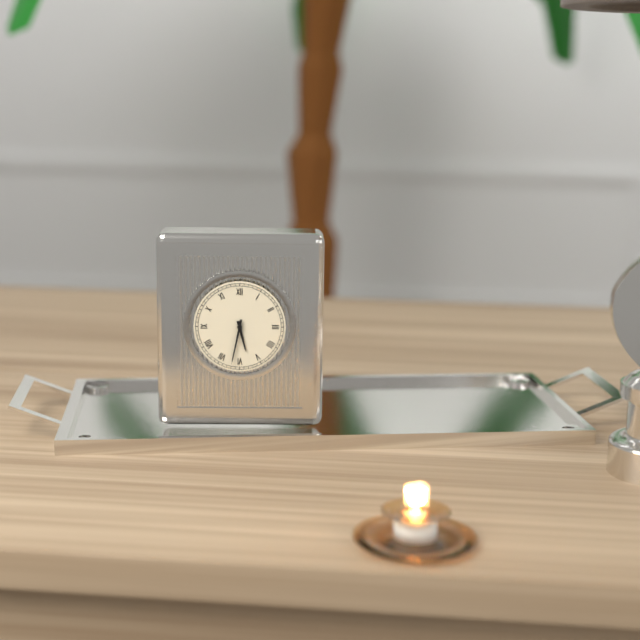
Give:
5h32
